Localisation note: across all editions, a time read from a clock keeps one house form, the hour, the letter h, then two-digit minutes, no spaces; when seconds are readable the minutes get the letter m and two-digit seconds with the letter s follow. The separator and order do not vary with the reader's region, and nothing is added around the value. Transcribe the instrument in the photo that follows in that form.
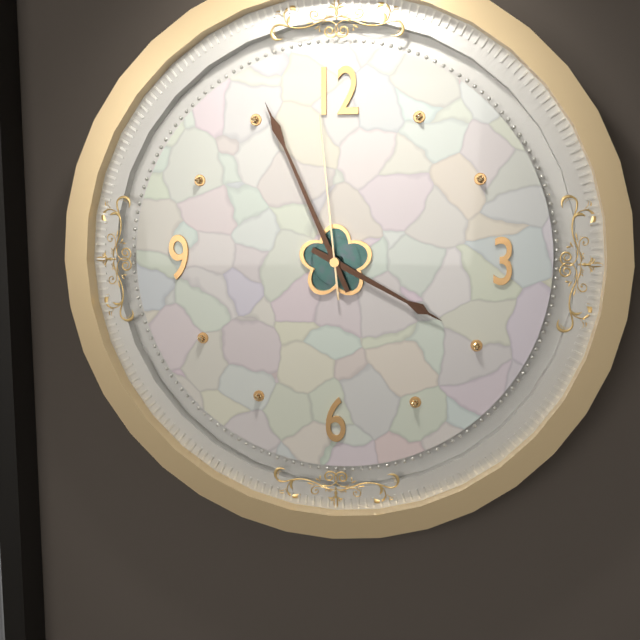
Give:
3h56m59s
